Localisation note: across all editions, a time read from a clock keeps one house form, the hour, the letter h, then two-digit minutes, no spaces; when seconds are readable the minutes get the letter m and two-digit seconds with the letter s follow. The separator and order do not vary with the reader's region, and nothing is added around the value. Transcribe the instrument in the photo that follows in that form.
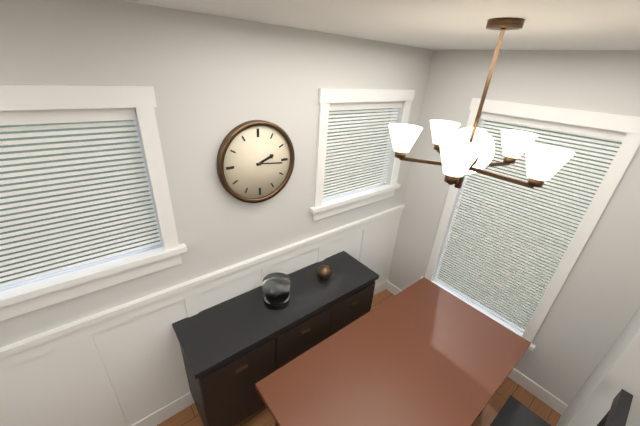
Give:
2h16
